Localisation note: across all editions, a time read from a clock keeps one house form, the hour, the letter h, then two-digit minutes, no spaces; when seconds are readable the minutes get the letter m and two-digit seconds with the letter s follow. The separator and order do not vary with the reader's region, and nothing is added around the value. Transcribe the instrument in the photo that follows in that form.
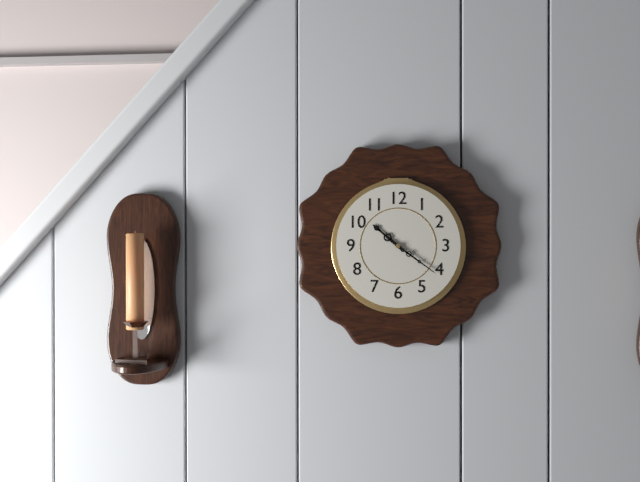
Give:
10h21
